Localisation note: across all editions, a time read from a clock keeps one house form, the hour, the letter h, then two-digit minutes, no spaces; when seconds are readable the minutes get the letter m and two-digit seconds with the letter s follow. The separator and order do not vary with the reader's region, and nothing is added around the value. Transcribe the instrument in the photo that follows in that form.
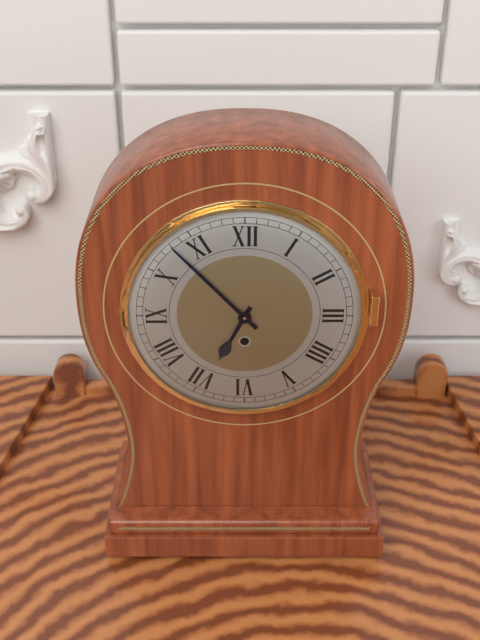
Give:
6h53
